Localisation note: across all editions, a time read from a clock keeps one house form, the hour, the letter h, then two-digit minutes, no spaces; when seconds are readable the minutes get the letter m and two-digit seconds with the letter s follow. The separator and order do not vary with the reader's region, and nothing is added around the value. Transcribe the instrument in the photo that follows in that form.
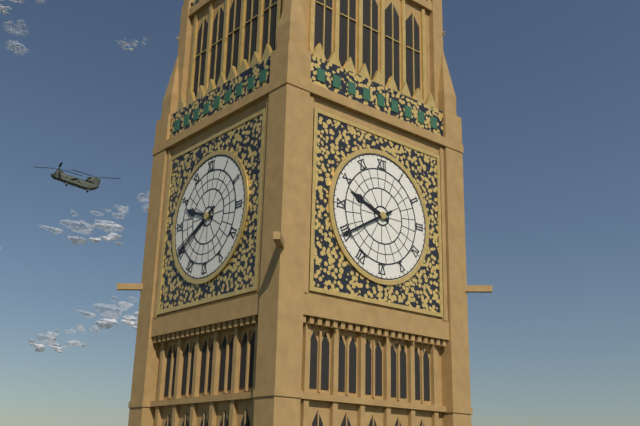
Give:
9h40
